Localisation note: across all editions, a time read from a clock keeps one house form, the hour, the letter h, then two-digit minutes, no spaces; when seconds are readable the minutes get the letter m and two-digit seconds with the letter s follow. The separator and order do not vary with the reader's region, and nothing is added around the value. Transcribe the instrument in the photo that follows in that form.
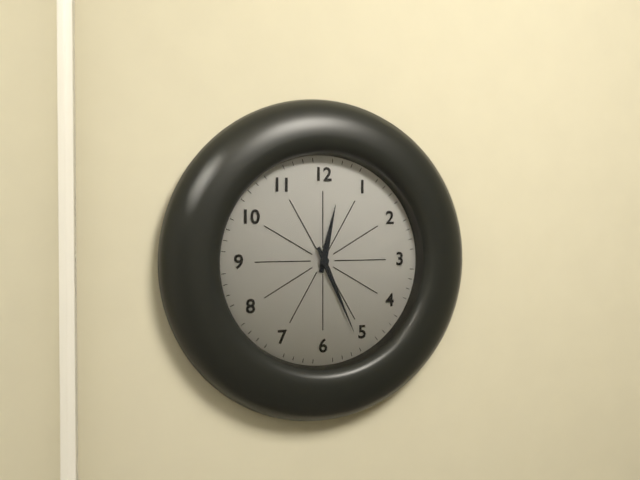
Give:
12h26
